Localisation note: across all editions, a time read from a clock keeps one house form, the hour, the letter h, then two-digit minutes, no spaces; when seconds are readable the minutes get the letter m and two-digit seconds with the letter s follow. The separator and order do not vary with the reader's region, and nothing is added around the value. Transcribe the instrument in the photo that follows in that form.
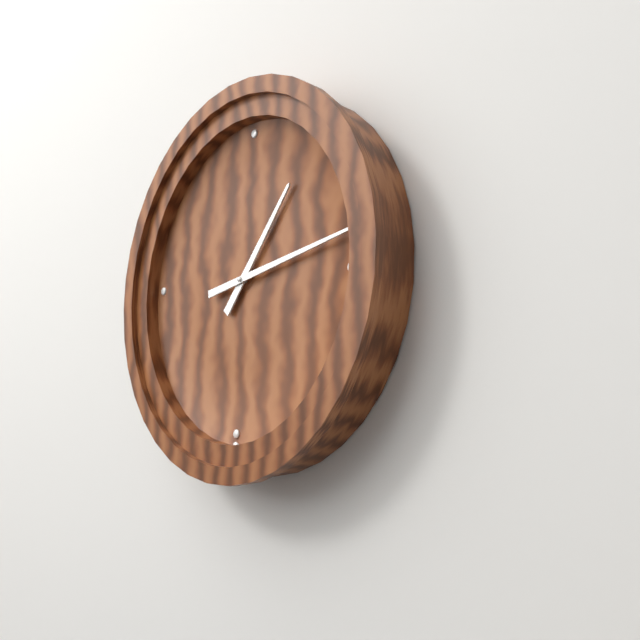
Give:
1h13
